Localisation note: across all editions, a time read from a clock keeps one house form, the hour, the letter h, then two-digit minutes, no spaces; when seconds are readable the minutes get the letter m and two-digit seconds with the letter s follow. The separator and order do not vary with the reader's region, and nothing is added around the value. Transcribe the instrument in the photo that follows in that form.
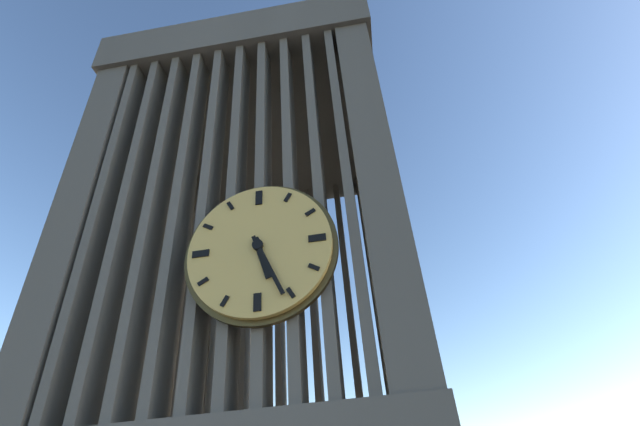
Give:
5h26
